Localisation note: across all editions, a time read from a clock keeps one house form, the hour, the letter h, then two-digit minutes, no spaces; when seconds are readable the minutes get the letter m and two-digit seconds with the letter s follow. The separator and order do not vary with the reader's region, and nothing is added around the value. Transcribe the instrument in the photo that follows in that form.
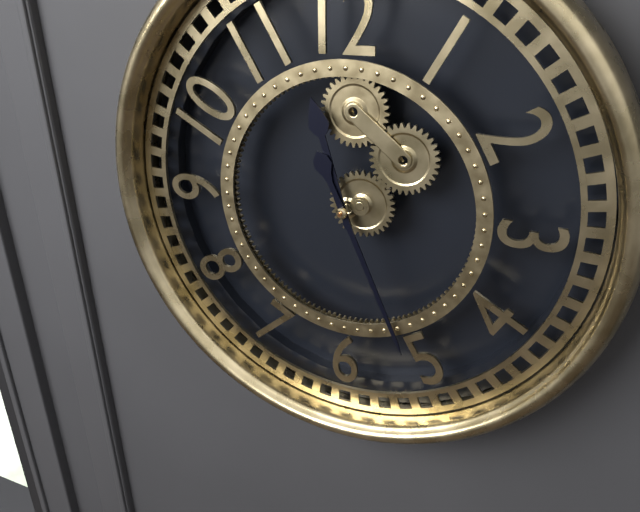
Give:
11h26
